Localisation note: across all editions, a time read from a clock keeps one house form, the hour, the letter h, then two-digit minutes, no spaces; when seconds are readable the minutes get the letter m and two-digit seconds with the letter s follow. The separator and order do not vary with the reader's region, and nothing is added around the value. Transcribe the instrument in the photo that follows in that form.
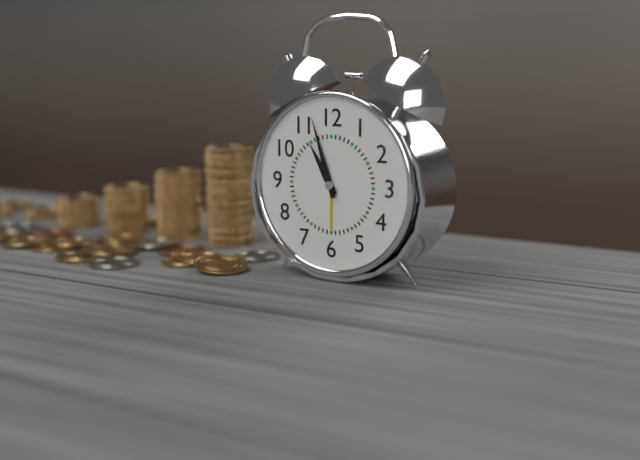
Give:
10h57
